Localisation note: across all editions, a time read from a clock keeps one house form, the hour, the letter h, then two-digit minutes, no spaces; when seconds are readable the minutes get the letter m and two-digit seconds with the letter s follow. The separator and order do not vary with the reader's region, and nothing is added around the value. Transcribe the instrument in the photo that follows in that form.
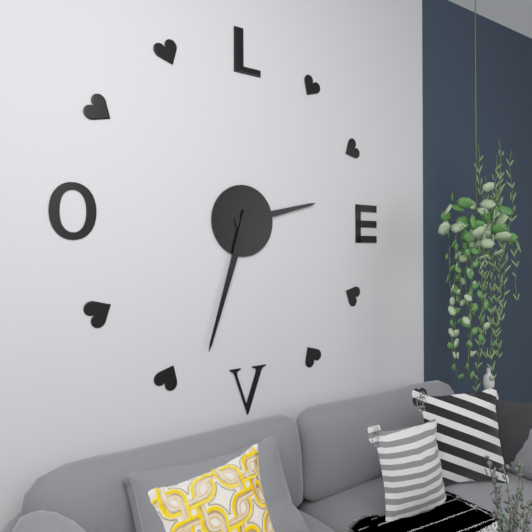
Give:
2h33
